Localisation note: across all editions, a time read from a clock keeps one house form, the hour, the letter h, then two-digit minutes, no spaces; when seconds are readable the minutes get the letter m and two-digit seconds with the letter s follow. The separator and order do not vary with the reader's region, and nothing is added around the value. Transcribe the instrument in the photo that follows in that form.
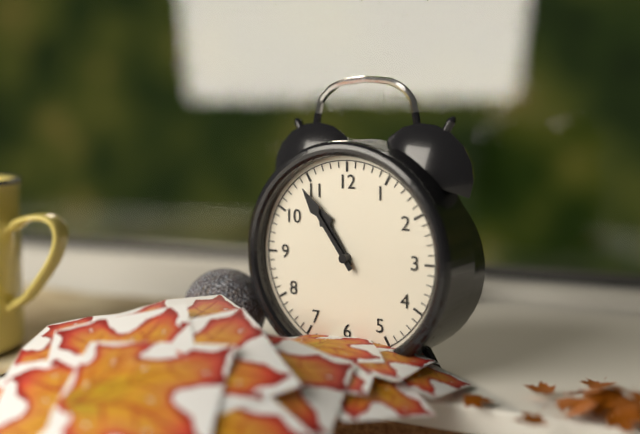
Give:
10h54
